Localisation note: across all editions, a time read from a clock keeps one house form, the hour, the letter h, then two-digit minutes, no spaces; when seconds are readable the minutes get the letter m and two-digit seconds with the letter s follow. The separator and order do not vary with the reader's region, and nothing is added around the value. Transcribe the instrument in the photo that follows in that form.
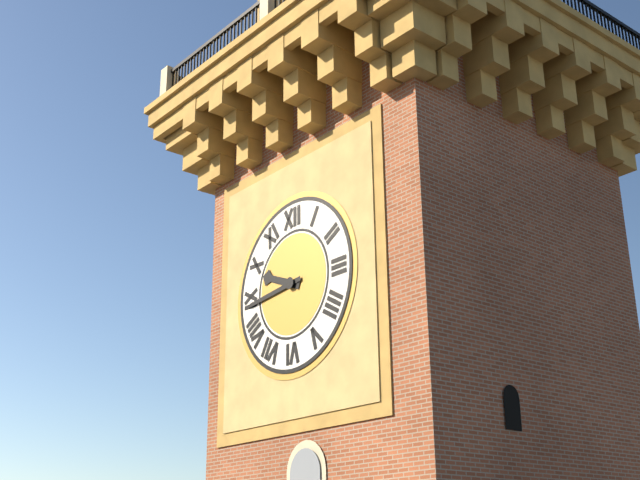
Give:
9h44
